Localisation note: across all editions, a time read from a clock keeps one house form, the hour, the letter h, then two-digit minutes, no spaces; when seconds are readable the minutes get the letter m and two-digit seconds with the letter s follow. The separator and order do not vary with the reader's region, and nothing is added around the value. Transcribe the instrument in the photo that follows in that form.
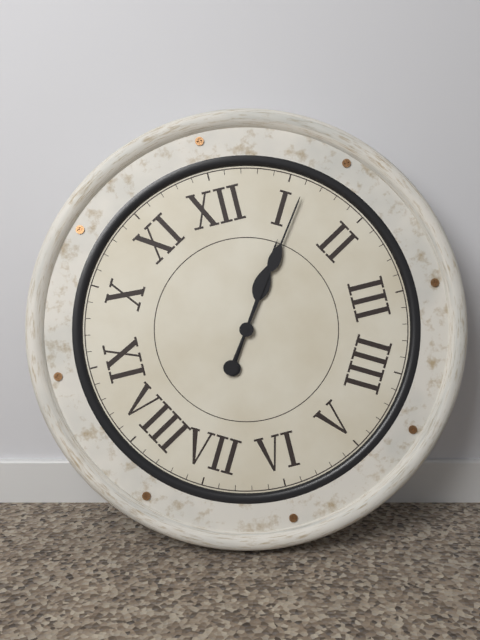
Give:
1h06
